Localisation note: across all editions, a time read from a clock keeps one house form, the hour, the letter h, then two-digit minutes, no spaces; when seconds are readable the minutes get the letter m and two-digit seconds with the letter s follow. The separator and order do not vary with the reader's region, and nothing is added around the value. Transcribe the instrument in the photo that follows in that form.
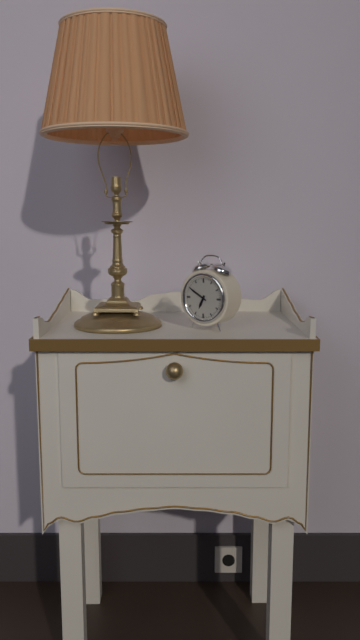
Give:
6h50
